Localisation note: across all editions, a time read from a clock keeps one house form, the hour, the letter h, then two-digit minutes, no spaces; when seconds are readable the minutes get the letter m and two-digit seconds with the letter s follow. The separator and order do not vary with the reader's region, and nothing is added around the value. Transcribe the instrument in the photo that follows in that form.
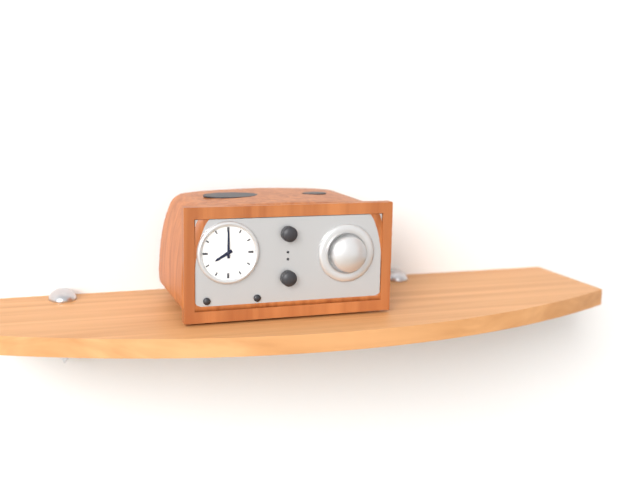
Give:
8h00
